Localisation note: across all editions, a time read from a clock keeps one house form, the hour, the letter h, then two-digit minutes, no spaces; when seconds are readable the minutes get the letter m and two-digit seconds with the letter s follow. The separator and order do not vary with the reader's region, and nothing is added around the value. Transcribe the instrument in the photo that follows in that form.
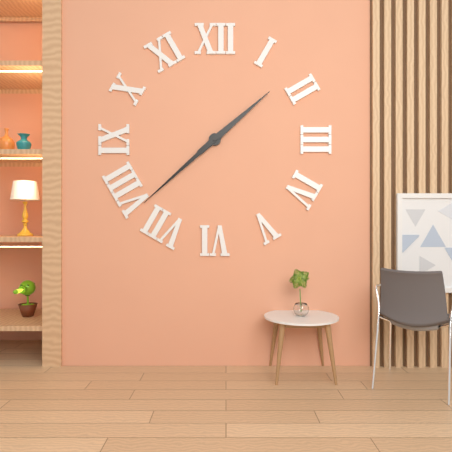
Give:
1h38
